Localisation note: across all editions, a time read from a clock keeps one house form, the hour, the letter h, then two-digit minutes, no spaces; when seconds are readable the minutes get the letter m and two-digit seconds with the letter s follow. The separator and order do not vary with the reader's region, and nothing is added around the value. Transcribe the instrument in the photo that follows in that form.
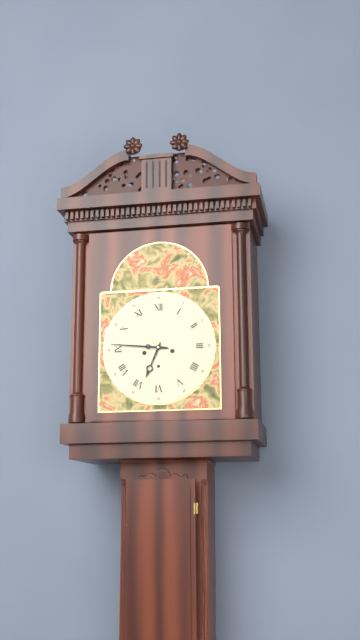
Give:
6h46
